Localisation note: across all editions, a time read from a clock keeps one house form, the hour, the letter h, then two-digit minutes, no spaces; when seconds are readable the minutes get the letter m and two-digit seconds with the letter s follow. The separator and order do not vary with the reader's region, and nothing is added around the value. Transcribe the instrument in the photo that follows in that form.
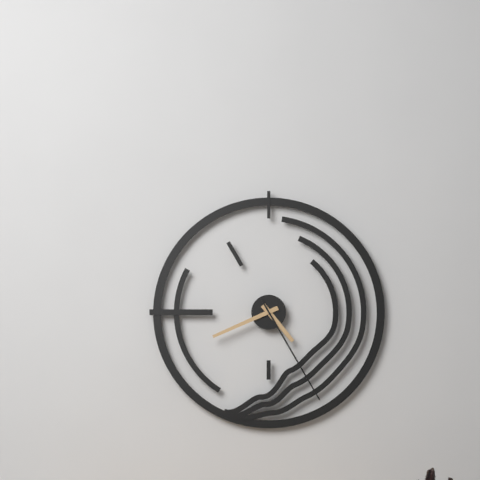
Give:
4h41m25s
